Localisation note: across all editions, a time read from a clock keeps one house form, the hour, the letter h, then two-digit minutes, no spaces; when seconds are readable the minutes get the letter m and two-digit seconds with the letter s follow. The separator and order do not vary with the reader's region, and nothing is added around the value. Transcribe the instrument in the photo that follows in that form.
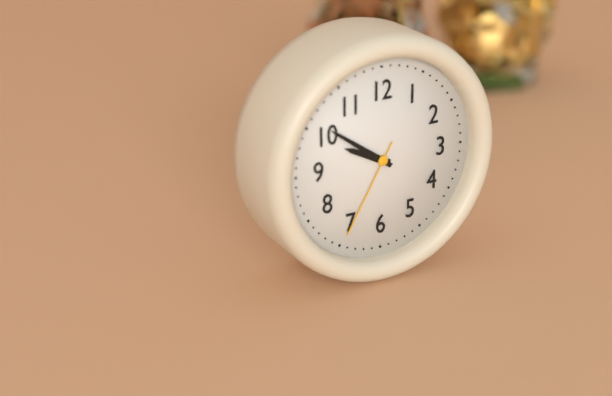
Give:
9h51m35s
